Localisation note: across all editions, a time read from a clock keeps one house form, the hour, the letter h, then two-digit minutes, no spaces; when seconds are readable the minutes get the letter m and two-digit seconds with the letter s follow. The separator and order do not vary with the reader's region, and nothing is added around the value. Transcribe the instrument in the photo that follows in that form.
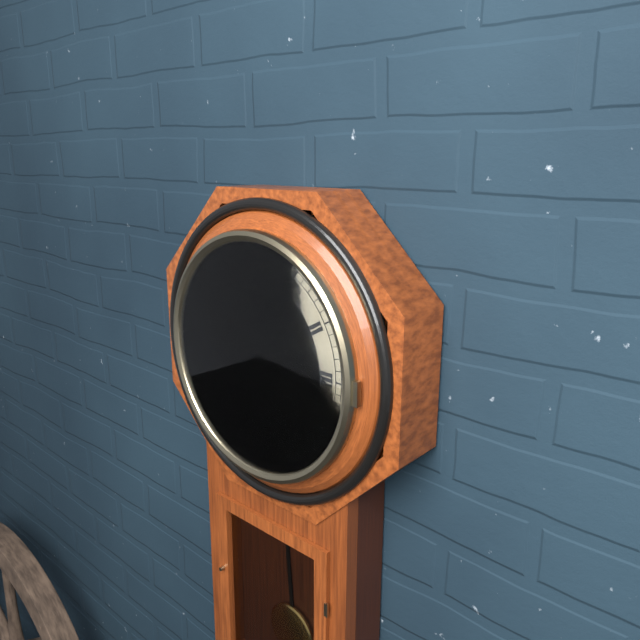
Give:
8h05
